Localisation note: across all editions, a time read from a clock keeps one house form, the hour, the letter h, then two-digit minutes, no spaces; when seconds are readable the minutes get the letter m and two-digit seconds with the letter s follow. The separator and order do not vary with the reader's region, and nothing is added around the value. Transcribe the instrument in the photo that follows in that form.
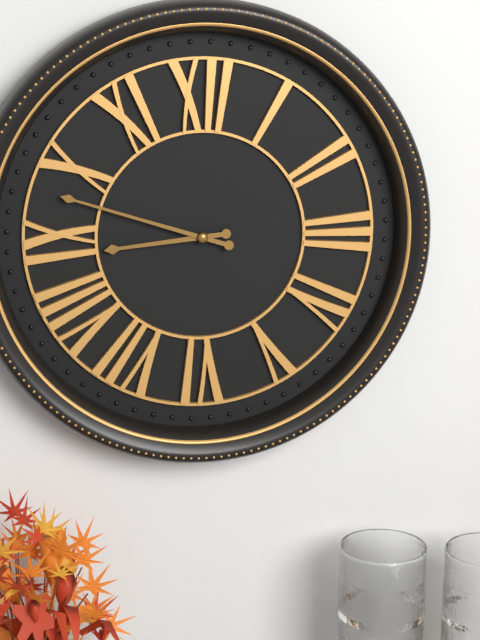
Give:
8h48
